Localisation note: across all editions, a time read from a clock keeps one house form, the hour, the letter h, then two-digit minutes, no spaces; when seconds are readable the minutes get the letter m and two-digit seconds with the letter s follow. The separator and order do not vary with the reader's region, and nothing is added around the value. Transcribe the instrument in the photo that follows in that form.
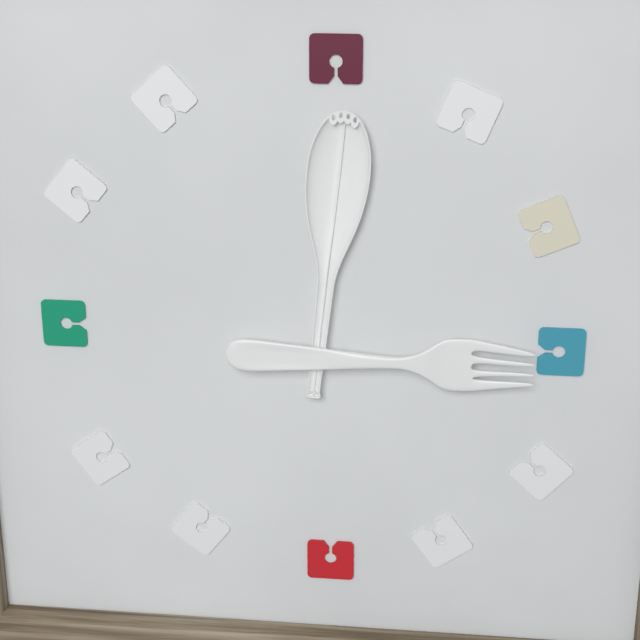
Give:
3h01
